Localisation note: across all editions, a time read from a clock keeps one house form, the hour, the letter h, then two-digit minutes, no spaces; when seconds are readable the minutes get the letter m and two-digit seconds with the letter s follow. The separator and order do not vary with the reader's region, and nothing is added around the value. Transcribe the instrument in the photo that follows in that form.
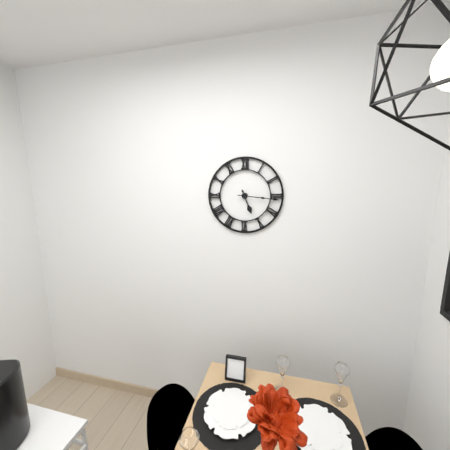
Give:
5h16
